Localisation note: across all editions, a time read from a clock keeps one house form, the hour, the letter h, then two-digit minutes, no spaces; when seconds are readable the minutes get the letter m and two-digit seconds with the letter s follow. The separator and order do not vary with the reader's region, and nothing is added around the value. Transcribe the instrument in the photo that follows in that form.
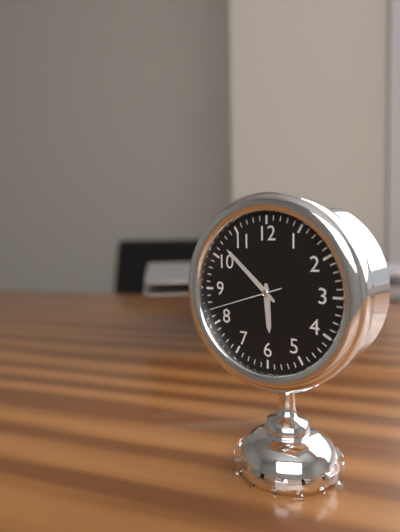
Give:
5h52m42s
